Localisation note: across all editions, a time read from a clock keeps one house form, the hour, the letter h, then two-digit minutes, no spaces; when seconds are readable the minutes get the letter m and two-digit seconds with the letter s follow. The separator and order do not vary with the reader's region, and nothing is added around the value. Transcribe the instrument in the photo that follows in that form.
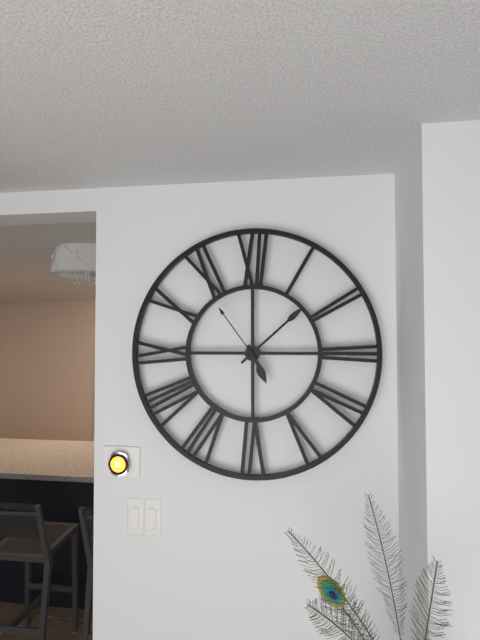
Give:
5h08m54s
